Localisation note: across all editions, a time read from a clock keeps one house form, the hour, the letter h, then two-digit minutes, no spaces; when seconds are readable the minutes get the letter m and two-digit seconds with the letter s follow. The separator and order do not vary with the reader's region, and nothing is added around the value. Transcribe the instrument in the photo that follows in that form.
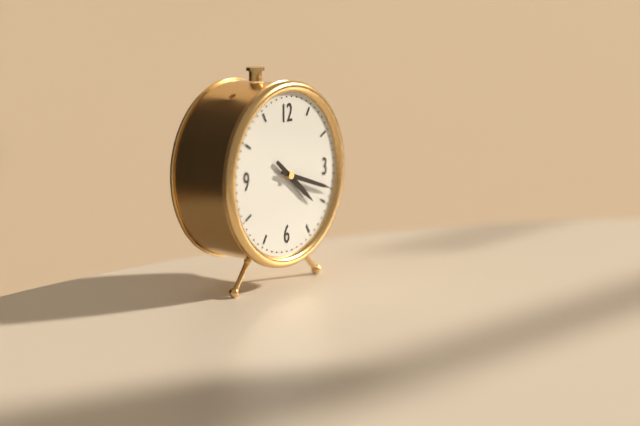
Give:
4h18
